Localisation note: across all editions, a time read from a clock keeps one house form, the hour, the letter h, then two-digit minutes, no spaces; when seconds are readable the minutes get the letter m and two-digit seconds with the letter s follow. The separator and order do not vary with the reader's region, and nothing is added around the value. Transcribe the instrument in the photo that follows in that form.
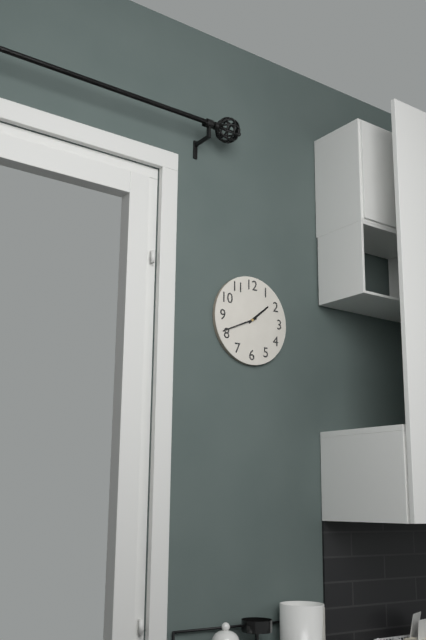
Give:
1h41
